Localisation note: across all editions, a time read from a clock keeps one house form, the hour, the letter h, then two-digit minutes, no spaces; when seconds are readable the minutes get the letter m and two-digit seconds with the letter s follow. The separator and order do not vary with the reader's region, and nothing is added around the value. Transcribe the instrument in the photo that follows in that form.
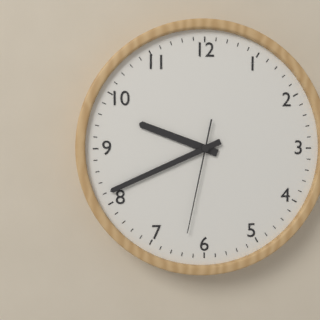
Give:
9h41m32s
